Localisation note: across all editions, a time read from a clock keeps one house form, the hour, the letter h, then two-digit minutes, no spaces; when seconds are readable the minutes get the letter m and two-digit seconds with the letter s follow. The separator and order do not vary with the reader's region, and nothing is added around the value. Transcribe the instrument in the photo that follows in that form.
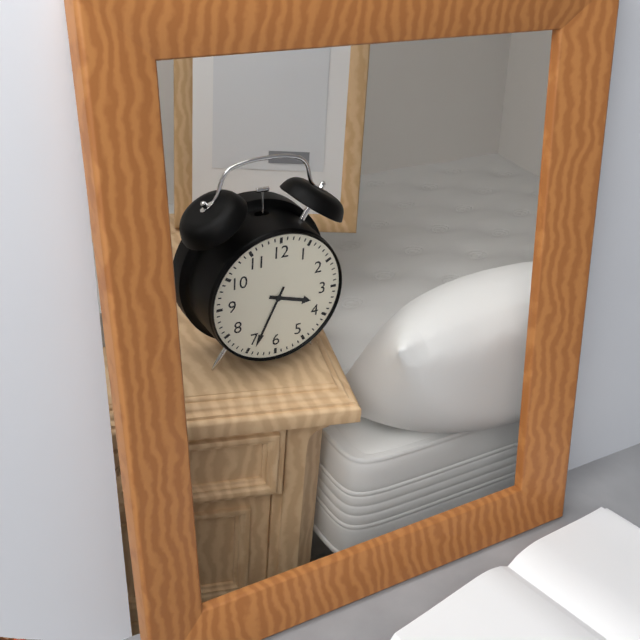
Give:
3h34
